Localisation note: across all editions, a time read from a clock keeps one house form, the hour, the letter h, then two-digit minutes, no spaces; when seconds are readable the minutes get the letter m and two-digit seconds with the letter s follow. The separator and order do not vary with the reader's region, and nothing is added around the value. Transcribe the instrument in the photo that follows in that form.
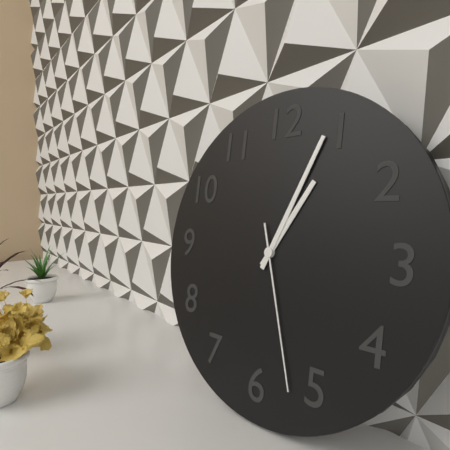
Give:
1h04m27s
